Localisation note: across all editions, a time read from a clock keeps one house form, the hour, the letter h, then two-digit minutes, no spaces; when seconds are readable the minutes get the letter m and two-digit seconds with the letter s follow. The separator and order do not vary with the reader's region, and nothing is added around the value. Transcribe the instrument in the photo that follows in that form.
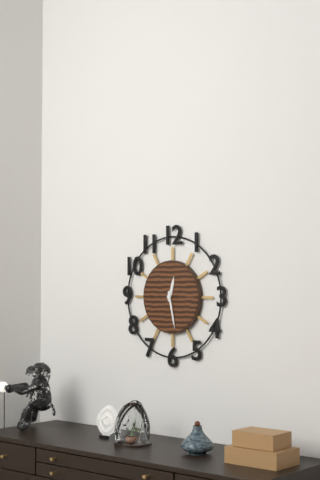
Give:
12h28
